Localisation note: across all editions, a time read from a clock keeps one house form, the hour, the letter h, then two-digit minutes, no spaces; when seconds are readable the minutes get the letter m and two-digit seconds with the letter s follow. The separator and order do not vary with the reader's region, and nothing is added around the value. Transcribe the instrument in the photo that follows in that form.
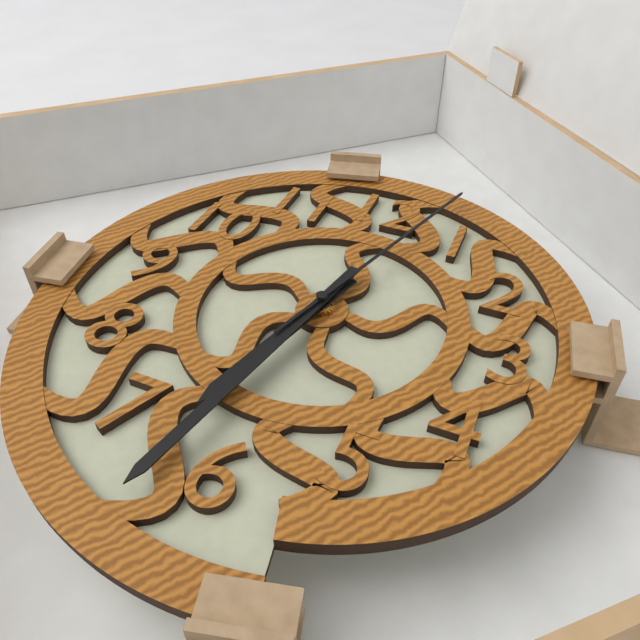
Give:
6h32m03s
